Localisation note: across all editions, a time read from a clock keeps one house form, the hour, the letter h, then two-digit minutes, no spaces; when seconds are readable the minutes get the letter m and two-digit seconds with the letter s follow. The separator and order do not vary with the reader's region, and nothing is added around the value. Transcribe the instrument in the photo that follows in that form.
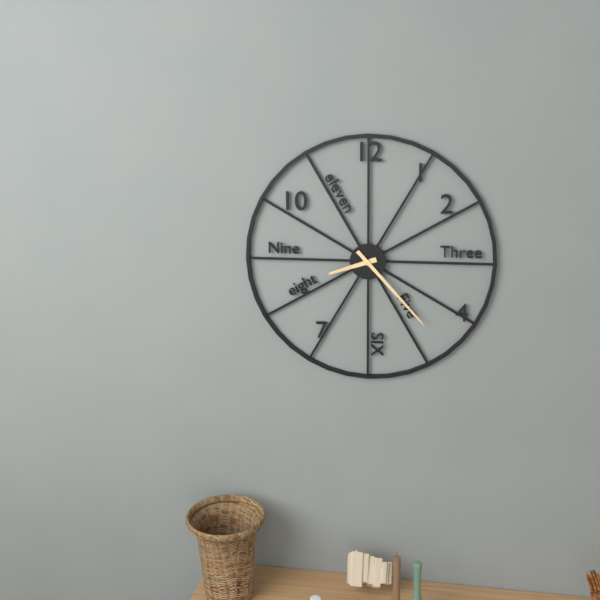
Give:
8h23
